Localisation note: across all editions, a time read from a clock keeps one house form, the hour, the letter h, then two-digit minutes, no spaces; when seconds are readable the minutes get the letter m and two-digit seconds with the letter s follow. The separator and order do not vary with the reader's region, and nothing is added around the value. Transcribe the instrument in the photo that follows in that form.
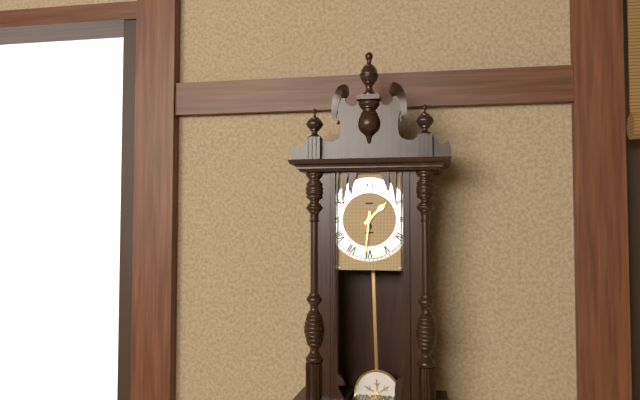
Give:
1h31
